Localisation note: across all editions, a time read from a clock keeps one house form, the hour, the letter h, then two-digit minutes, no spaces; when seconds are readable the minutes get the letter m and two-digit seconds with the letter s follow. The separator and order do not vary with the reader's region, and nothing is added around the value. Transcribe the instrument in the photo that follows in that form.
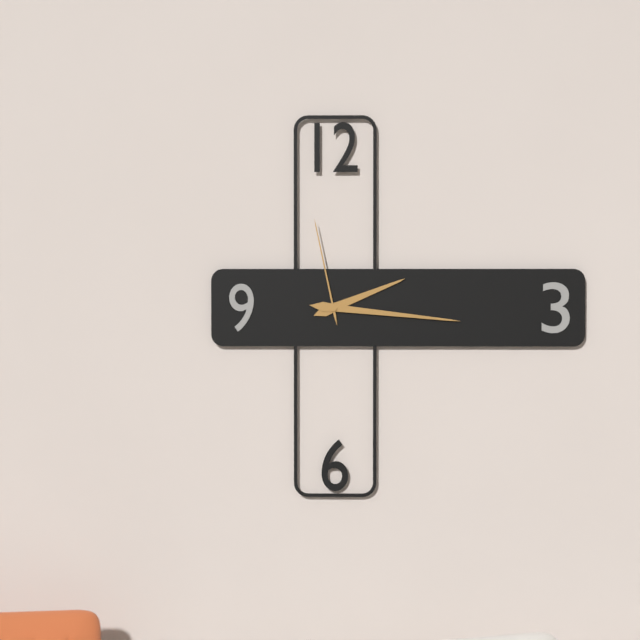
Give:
2h16m58s
